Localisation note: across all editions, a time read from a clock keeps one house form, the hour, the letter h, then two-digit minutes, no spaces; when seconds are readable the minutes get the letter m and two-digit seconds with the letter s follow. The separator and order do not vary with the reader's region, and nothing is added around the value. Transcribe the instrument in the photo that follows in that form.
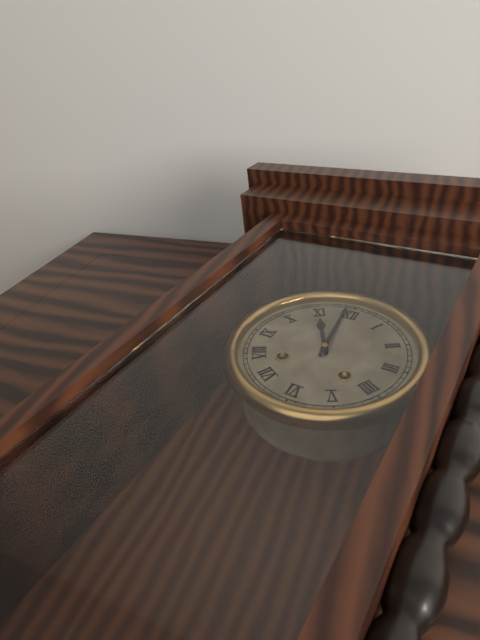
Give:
10h59
